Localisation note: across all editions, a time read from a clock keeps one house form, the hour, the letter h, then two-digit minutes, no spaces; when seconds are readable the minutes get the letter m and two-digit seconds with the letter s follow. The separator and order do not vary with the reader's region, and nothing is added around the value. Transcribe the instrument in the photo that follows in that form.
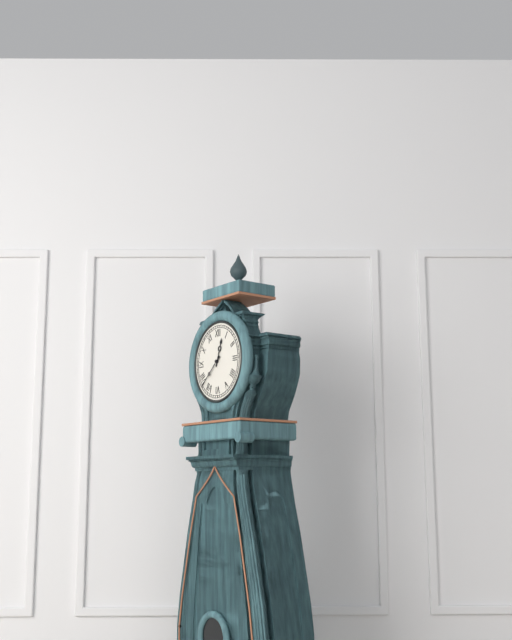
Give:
12h38
